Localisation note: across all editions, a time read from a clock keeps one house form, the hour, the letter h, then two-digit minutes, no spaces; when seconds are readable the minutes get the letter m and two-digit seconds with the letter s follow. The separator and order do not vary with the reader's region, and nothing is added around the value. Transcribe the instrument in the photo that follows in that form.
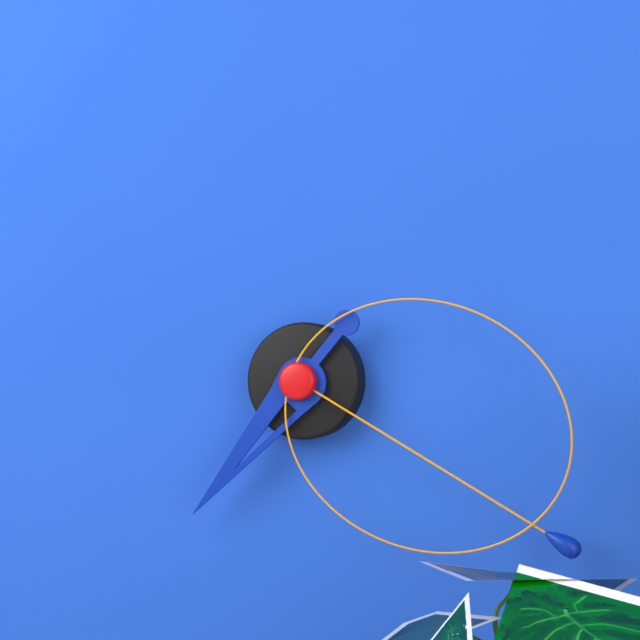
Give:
7h20m18s
